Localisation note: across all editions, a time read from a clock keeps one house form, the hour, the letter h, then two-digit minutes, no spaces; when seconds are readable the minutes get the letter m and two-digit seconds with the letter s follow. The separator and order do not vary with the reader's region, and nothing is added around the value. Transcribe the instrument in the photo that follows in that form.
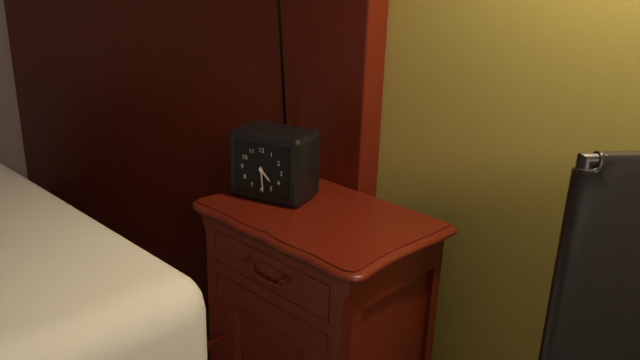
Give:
4h29
